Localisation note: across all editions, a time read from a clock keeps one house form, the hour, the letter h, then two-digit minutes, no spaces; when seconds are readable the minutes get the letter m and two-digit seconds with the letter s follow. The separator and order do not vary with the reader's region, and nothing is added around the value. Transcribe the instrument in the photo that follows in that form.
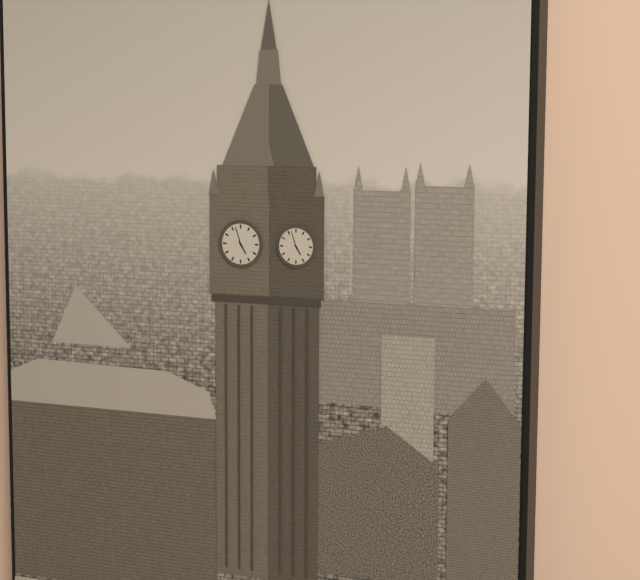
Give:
4h57
